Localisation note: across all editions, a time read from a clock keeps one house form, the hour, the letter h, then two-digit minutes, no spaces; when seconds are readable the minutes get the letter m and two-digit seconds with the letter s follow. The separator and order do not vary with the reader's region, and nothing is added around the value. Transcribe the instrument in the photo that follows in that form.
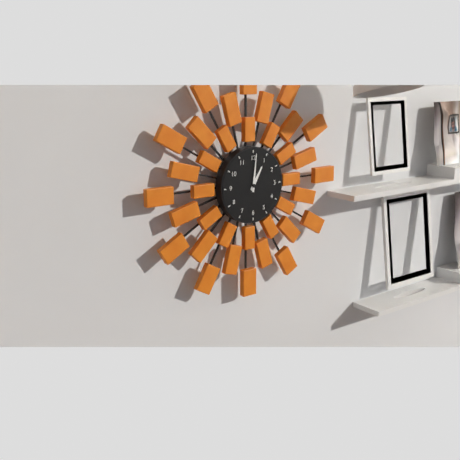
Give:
1h01
